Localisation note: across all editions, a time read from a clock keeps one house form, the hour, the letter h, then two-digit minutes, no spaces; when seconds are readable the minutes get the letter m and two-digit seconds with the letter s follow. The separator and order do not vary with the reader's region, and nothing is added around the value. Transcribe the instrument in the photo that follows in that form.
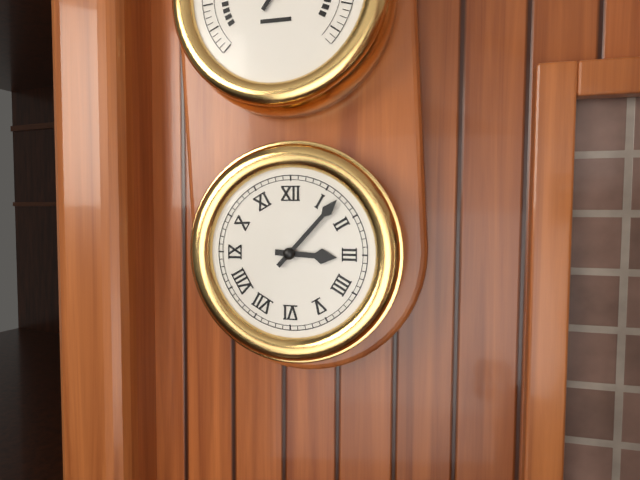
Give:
3h07
